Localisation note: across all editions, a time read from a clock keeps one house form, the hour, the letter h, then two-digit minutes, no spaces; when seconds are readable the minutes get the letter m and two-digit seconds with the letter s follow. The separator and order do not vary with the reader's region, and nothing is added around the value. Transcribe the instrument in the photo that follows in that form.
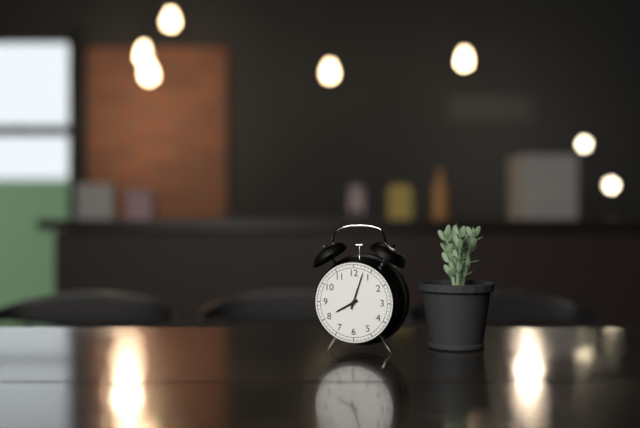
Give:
8h03
